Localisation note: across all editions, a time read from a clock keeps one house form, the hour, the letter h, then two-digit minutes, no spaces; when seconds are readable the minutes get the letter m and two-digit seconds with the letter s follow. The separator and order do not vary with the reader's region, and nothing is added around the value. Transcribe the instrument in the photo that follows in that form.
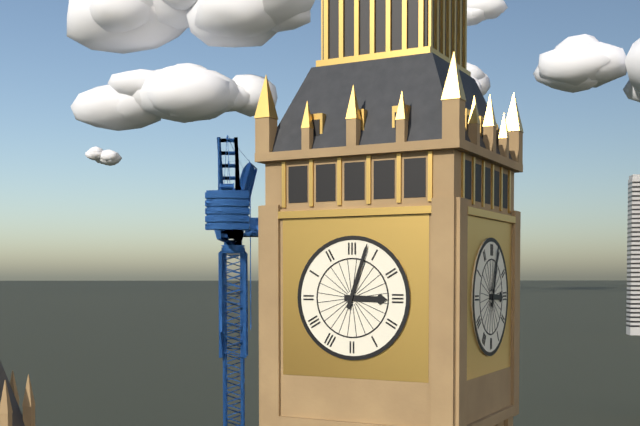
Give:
3h03
